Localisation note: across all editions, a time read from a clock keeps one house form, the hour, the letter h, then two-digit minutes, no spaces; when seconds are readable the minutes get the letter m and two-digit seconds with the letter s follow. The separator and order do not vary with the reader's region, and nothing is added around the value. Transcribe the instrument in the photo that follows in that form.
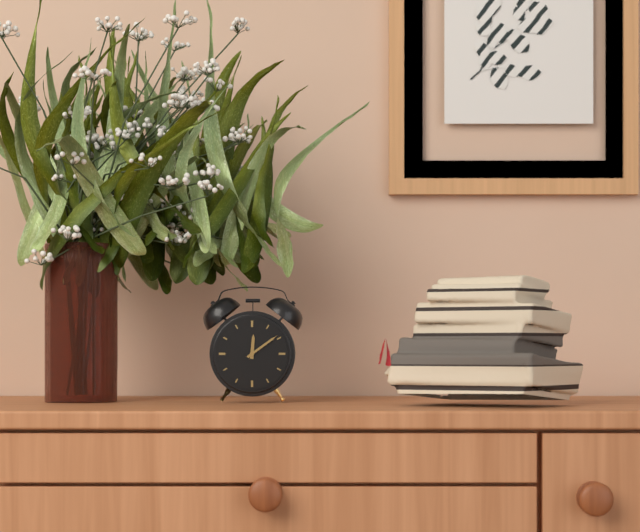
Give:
12h09
